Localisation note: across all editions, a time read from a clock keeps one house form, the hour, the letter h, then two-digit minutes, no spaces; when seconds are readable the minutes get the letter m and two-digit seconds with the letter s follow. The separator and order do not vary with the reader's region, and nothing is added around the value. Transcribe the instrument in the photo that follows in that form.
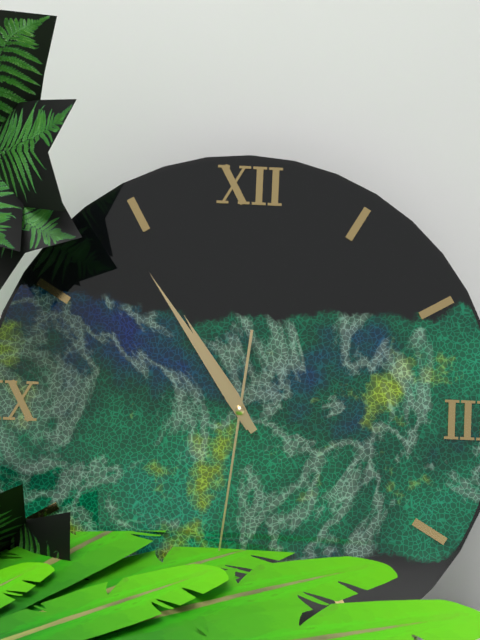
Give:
10h54m31s
